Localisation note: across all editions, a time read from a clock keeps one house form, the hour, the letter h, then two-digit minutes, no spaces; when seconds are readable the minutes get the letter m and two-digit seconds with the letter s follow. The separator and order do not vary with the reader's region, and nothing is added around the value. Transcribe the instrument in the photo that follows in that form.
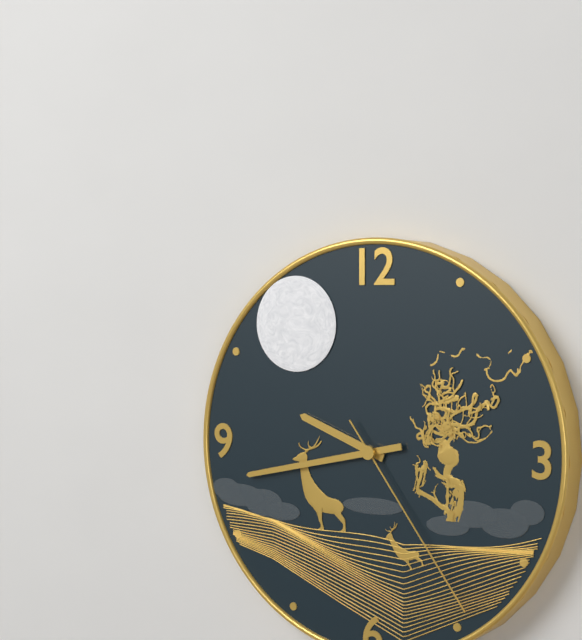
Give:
9h43m24s
